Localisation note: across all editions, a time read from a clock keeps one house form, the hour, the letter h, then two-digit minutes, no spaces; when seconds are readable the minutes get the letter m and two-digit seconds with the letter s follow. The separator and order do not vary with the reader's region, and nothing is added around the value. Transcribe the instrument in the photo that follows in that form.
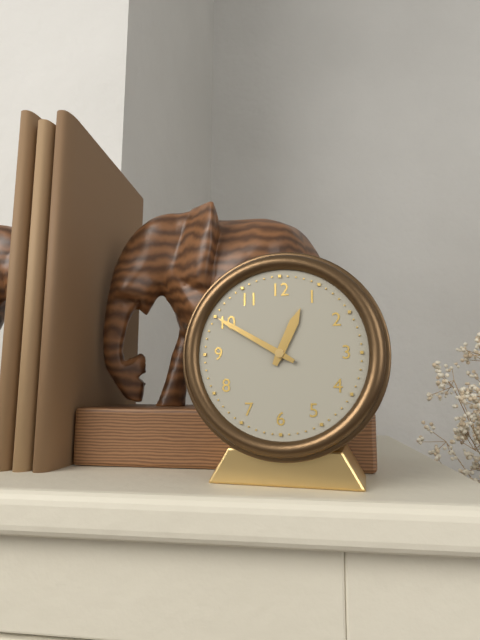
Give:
12h50
